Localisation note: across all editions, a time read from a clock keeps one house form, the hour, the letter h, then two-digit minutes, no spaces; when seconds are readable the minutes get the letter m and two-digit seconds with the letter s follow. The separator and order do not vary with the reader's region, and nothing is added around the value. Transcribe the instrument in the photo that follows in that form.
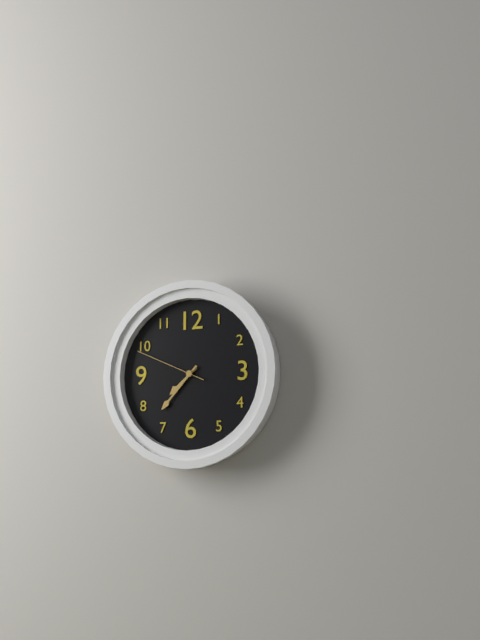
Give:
7h37m49s
